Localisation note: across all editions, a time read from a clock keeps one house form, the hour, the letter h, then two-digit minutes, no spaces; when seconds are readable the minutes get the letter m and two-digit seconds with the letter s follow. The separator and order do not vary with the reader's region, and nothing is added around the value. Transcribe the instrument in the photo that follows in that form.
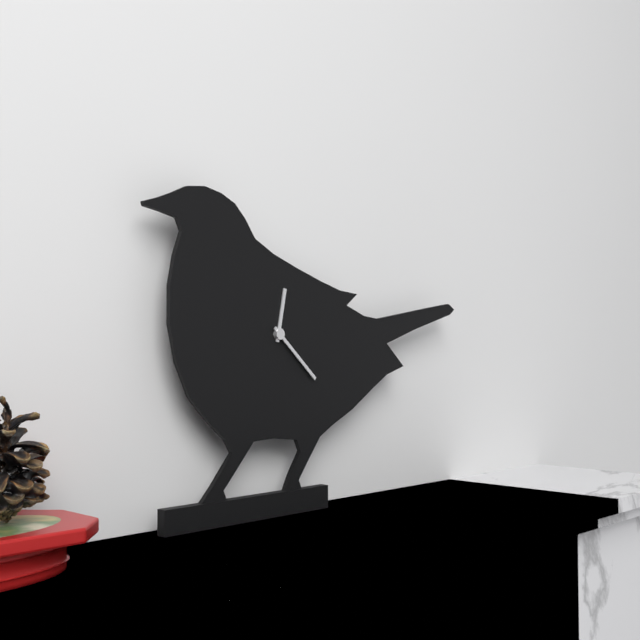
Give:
12h22
